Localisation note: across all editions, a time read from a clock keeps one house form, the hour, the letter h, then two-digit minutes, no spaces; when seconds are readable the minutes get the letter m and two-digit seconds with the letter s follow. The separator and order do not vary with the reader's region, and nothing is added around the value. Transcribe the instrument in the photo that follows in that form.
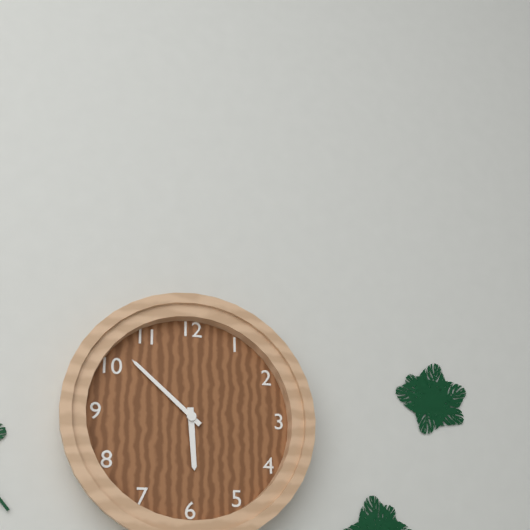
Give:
5h52
